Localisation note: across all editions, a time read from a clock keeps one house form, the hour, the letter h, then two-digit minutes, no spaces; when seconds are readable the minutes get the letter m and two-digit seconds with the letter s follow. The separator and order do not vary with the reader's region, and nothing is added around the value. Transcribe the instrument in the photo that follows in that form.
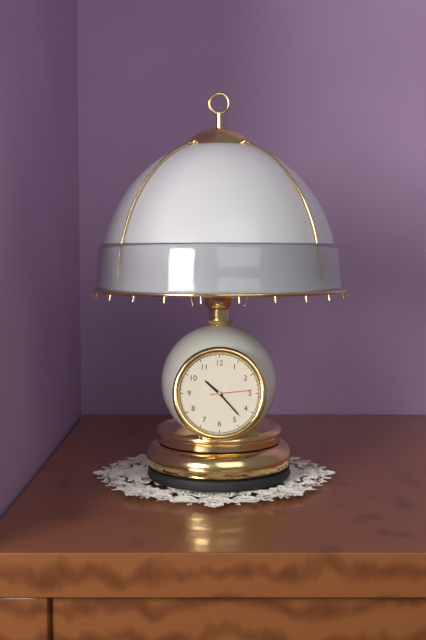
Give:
10h23
